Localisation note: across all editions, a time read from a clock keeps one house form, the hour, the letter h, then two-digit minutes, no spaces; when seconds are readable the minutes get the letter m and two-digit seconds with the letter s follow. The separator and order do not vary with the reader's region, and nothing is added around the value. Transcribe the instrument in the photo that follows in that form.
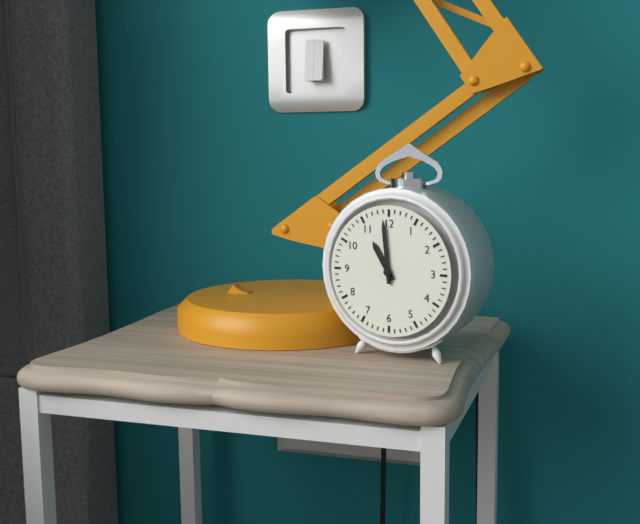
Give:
10h59
